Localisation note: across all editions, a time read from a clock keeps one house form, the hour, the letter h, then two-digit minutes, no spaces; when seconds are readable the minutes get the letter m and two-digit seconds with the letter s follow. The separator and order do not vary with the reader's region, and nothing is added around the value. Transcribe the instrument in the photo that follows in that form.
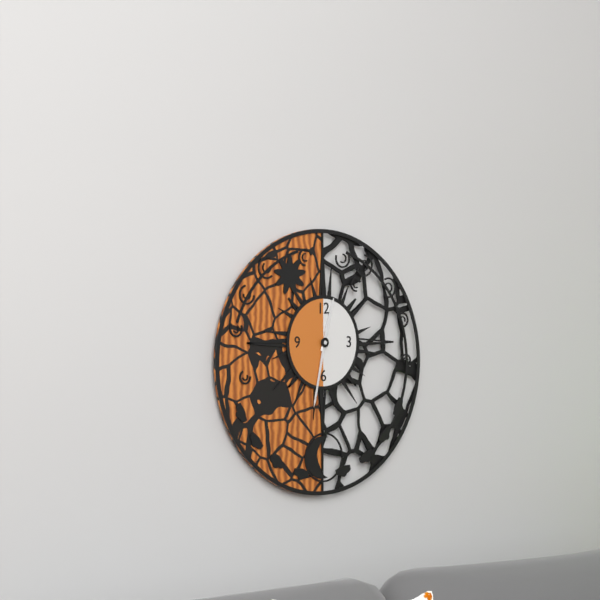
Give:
12h32
